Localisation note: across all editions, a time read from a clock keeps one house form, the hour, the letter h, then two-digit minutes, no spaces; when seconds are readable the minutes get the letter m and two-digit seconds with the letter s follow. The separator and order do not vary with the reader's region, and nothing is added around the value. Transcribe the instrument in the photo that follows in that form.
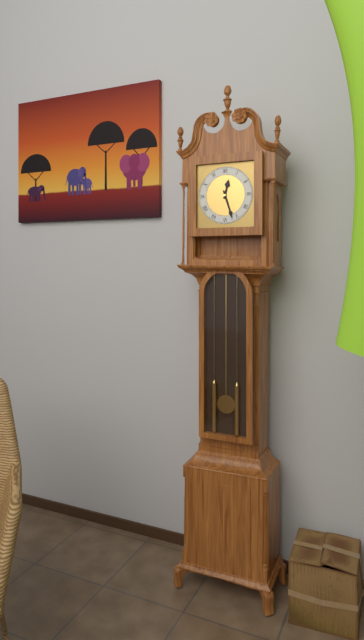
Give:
12h27
